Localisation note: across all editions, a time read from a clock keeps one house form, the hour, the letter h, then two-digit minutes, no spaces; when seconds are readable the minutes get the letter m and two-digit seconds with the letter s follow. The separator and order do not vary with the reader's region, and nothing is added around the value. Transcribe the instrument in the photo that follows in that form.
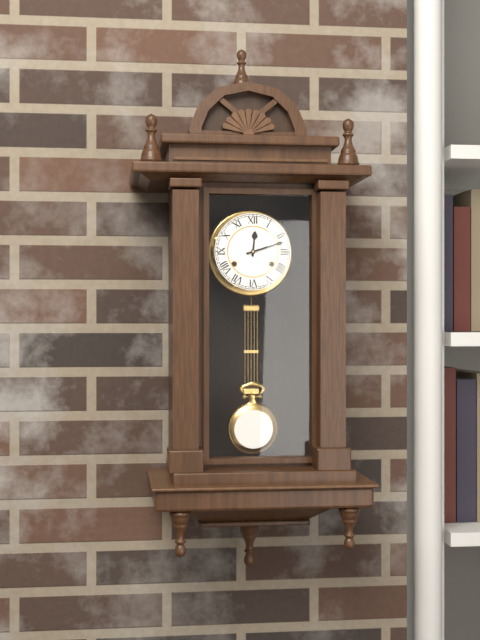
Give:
12h12
